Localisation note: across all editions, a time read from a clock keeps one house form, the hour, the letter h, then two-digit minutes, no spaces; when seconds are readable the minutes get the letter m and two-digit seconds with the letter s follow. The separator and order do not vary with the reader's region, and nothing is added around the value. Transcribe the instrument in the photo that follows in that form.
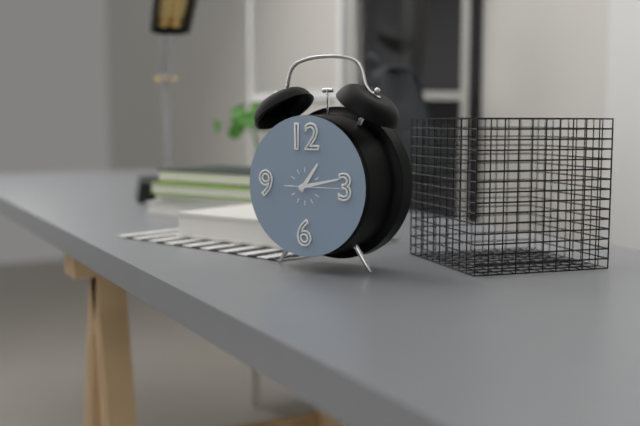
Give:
1h13
